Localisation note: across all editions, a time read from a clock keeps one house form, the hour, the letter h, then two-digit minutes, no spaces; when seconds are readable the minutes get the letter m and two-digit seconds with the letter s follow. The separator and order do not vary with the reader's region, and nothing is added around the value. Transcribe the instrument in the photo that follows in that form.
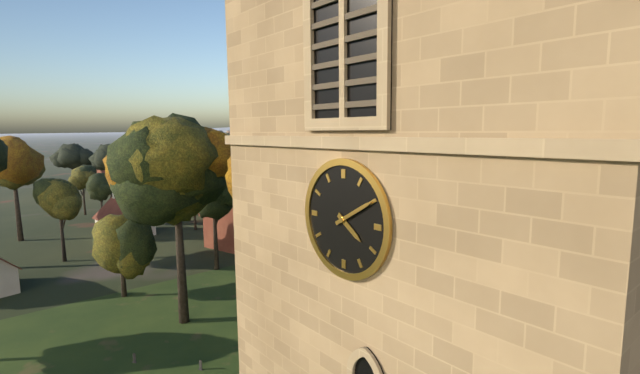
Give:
4h10
